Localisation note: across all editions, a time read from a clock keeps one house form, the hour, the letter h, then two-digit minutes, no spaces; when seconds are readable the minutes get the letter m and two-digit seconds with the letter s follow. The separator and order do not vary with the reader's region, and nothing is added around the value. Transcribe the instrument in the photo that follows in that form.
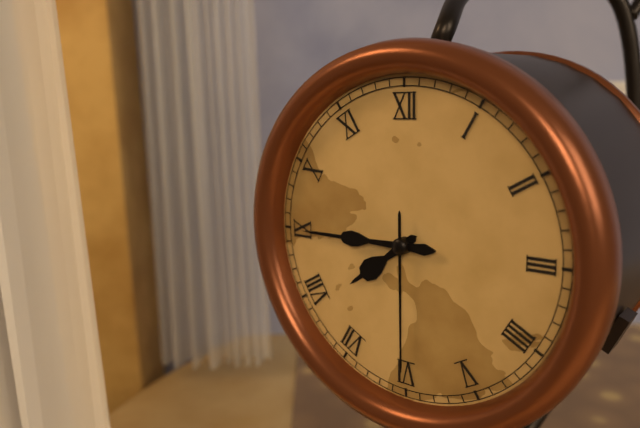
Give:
7h45m30s
